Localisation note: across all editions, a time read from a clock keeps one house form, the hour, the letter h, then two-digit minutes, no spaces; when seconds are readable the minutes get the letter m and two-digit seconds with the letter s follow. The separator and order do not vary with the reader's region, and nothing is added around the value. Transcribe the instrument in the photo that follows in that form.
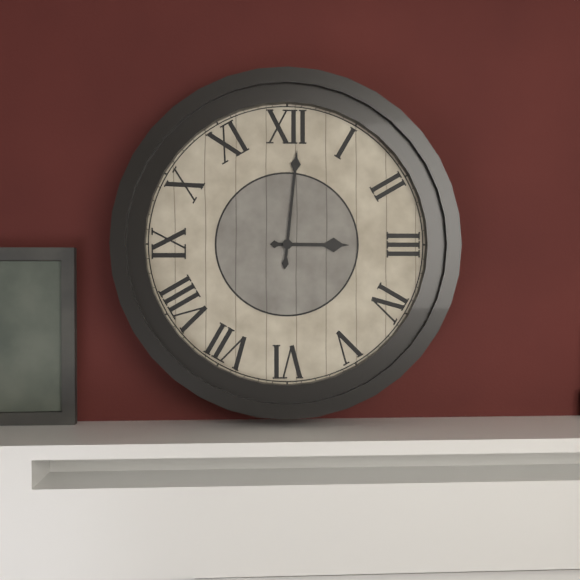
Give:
3h01
